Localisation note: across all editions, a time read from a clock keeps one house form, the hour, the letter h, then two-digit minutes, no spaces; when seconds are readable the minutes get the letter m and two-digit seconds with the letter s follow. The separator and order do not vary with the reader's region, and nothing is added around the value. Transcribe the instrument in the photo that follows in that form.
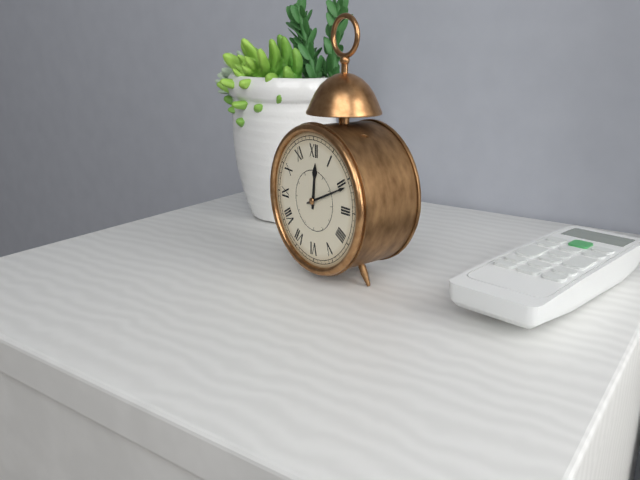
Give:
12h11
